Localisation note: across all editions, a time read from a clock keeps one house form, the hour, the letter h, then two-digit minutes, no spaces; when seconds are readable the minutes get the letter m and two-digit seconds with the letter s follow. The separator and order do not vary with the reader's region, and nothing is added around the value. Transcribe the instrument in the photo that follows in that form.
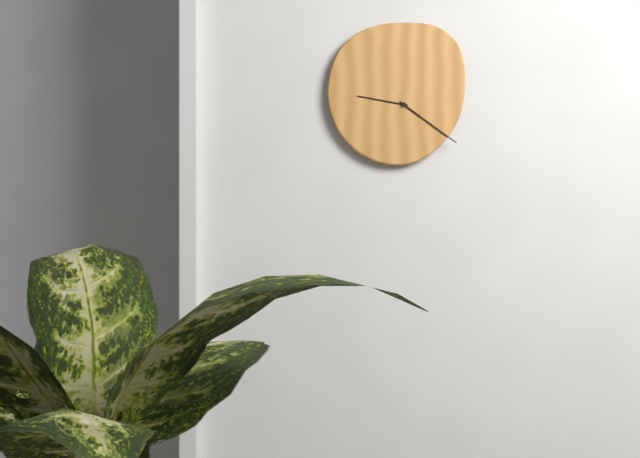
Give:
9h21
